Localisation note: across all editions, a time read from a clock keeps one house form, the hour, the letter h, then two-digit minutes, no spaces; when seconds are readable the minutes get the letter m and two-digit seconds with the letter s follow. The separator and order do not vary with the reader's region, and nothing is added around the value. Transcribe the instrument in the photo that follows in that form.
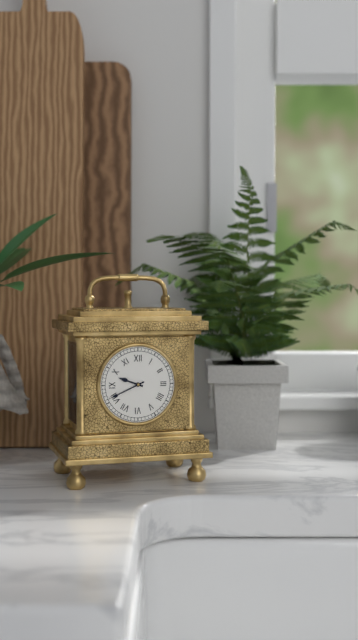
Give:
9h41
